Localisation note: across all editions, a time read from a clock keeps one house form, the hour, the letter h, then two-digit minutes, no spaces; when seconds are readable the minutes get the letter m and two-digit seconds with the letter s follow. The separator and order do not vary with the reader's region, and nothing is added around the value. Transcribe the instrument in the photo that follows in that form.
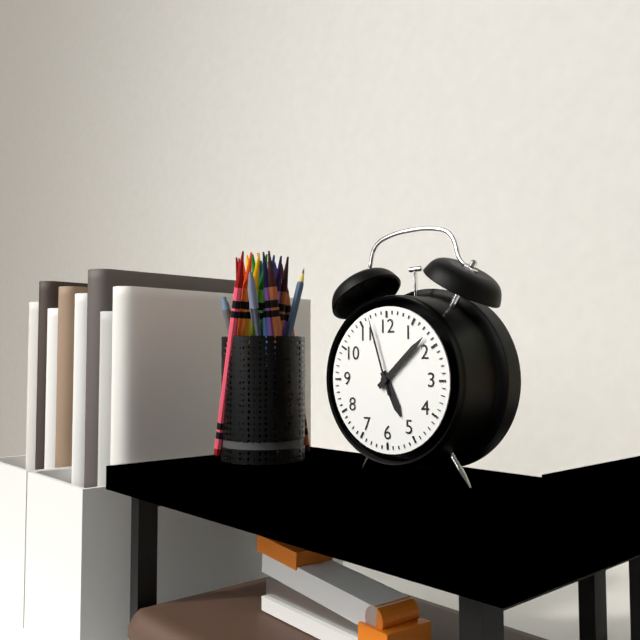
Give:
5h08m57s
